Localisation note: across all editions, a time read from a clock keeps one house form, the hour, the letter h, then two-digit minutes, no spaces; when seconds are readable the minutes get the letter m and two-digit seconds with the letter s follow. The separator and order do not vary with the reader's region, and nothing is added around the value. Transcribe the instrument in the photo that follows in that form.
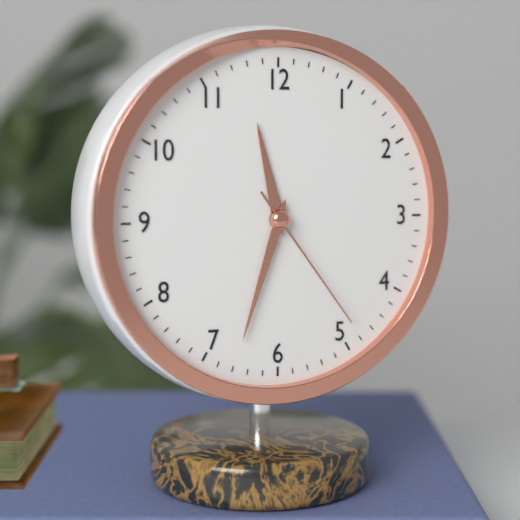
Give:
11h33m24s
